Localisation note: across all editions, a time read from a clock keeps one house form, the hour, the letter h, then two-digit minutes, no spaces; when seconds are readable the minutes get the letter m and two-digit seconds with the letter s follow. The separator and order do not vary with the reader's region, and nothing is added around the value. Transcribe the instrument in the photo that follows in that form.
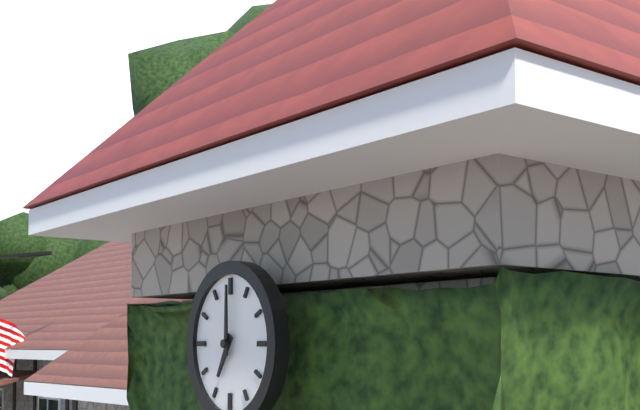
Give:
7h00
